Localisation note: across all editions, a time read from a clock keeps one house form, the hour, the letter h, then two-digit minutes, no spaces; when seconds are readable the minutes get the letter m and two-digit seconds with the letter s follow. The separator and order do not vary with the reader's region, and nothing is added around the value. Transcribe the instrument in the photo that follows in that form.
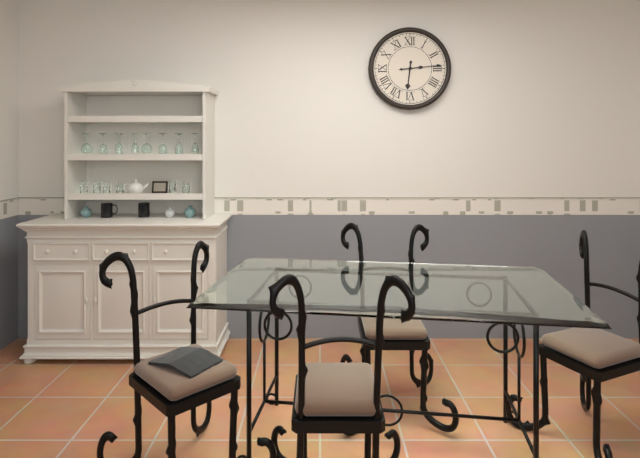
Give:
6h14
